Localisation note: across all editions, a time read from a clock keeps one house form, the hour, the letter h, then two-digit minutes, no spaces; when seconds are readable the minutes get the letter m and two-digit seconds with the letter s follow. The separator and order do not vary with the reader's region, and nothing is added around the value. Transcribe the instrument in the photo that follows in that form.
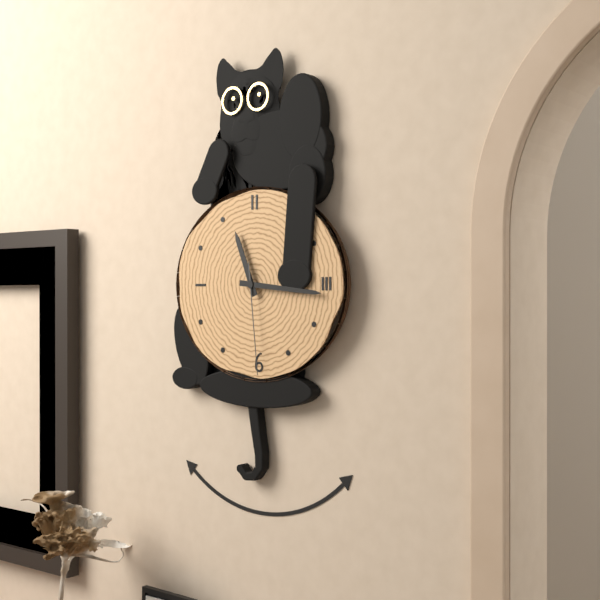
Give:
11h16m29s
